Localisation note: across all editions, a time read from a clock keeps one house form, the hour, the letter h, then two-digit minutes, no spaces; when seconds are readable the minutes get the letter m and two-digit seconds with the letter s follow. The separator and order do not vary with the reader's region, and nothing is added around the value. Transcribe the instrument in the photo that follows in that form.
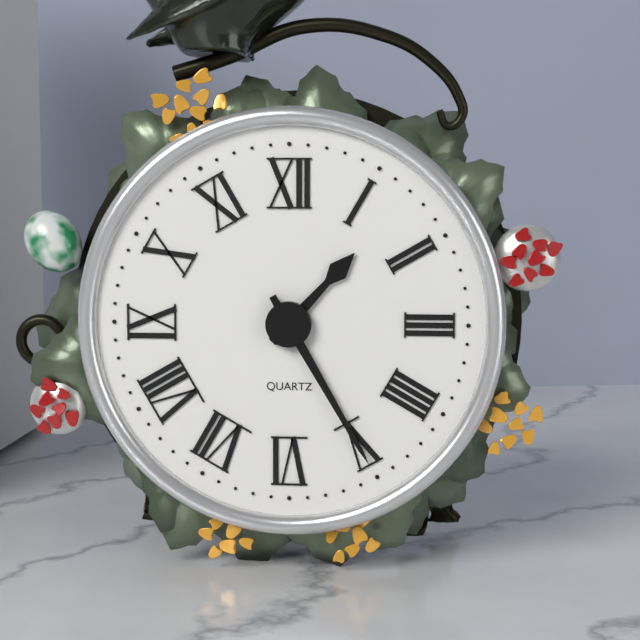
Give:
1h25
